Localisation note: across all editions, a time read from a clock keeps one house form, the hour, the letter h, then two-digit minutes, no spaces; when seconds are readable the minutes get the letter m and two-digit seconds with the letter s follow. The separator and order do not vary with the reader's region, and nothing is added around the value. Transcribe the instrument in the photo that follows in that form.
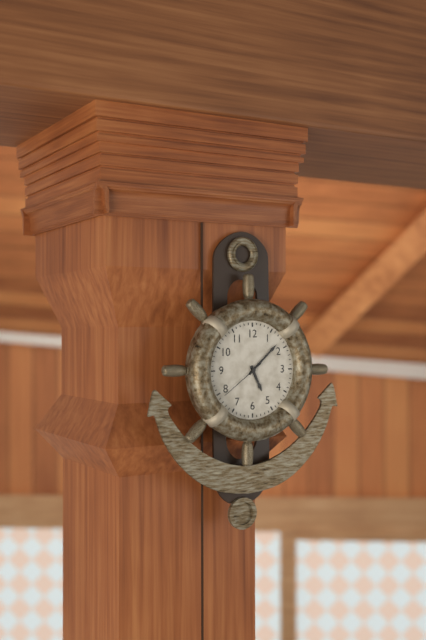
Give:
5h08
